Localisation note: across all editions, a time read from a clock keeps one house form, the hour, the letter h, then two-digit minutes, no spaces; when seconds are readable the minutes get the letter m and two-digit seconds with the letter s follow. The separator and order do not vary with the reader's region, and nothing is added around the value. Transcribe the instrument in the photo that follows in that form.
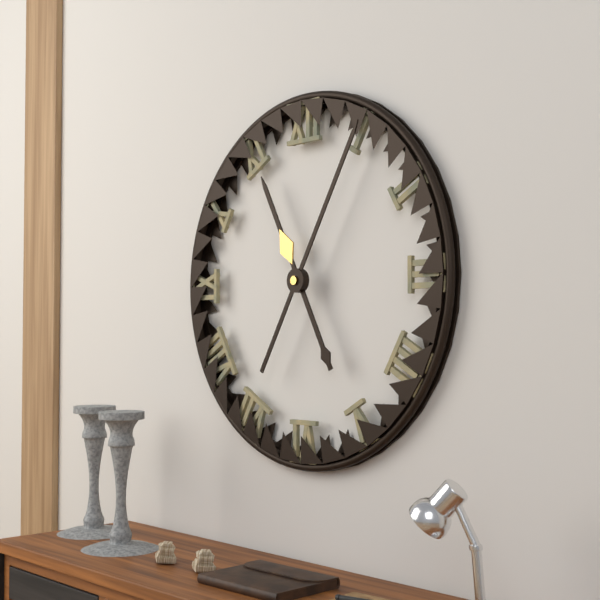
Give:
11h05
